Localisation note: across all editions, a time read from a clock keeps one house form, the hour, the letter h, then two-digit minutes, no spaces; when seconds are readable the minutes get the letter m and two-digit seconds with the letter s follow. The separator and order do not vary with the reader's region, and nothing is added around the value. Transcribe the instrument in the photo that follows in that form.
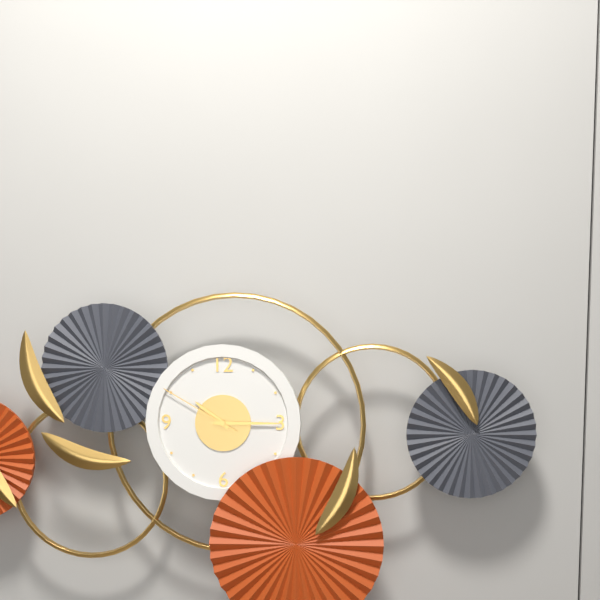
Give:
10h15m50s
